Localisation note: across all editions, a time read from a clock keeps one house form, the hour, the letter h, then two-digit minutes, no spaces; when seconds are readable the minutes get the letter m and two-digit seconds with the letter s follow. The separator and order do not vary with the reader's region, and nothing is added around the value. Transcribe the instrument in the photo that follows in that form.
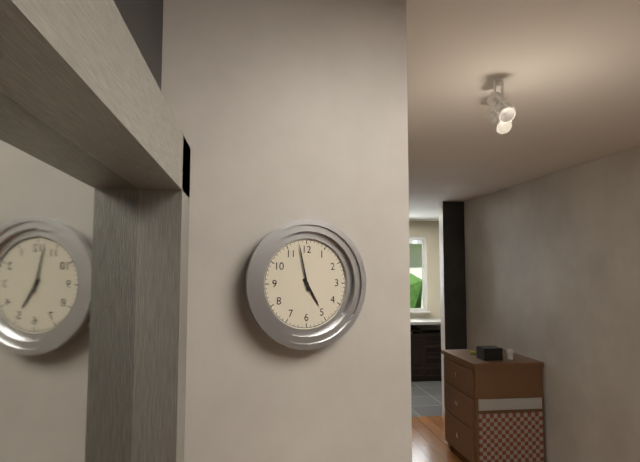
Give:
4h58
